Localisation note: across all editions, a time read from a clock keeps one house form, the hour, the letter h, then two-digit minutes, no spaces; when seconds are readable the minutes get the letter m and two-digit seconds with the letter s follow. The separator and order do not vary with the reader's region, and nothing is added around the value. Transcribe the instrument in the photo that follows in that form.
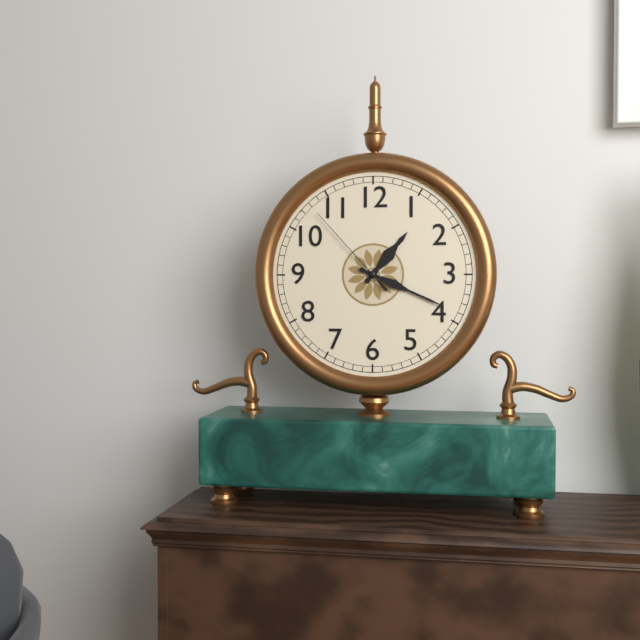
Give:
1h19m53s
